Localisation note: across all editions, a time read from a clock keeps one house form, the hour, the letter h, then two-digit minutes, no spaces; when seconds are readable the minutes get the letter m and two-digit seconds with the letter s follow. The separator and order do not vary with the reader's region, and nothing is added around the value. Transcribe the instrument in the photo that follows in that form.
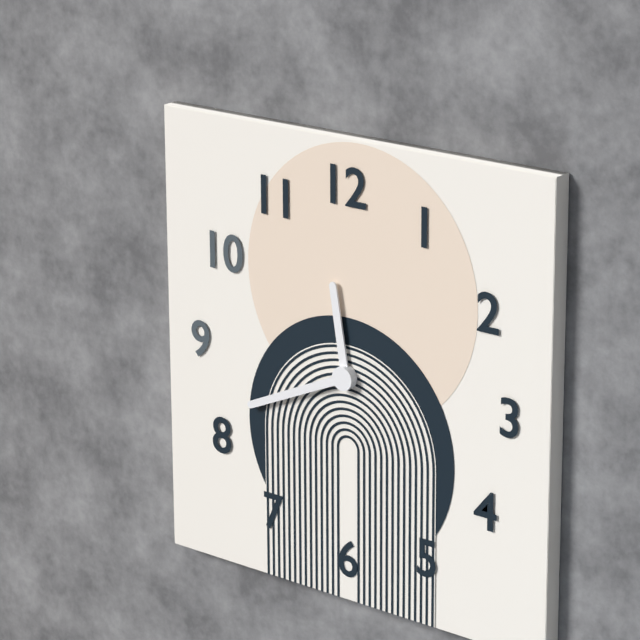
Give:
11h41
